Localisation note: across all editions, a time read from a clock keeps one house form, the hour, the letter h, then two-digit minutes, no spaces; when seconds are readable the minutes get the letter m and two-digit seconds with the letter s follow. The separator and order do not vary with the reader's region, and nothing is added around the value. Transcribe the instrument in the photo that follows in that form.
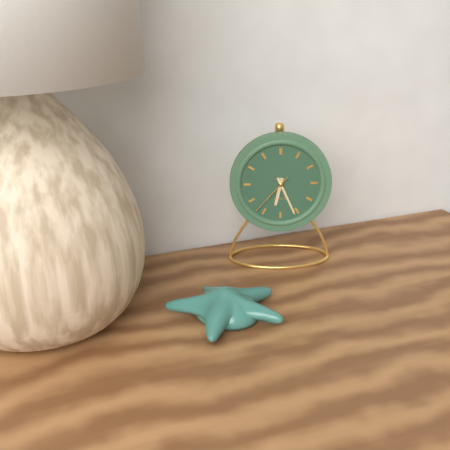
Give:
6h26
